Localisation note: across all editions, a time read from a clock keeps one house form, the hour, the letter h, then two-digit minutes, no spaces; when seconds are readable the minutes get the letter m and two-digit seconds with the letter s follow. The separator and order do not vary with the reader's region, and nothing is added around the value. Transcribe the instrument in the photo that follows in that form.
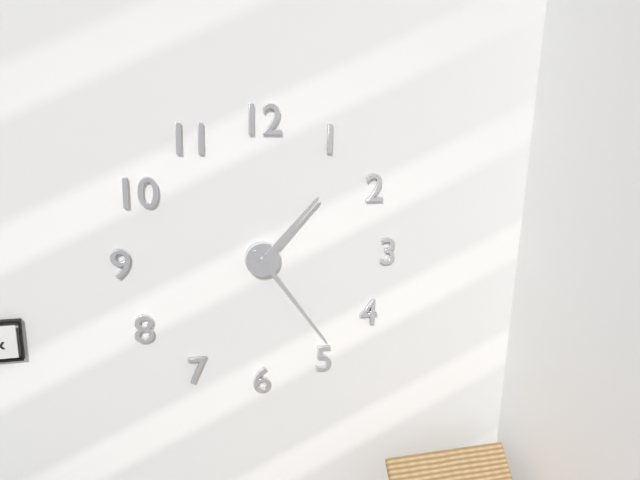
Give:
1h24
